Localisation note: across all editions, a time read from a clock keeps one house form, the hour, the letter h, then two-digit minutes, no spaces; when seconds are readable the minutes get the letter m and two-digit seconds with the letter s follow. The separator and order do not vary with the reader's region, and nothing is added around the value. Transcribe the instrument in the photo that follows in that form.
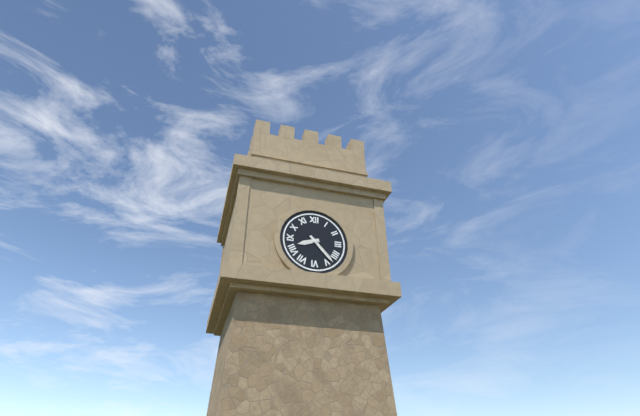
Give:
8h23
